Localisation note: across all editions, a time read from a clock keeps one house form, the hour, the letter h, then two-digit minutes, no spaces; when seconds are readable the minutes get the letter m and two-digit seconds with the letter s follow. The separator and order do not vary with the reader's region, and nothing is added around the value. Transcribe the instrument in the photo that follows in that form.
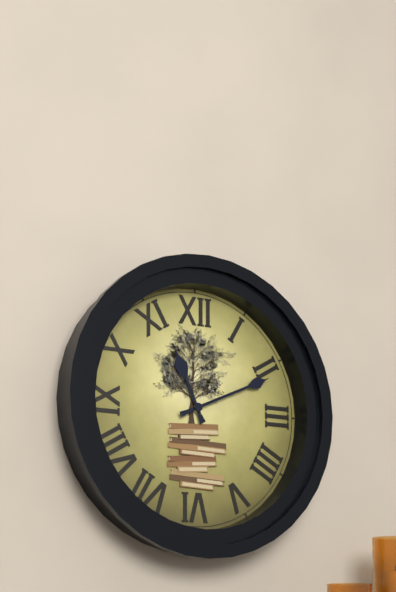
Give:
11h11
